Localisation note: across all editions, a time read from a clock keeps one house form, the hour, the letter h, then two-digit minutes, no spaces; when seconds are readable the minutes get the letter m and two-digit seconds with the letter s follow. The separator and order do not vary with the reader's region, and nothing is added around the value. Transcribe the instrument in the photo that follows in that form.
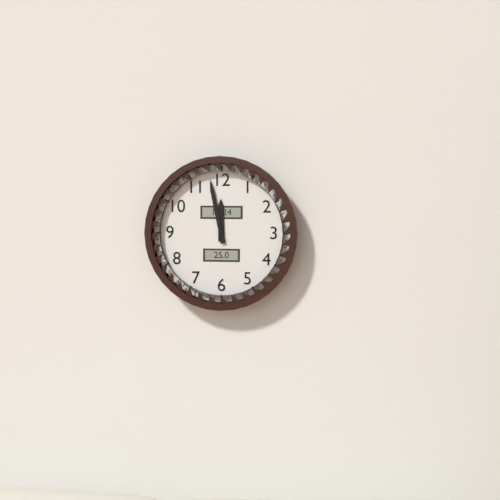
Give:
11h58
